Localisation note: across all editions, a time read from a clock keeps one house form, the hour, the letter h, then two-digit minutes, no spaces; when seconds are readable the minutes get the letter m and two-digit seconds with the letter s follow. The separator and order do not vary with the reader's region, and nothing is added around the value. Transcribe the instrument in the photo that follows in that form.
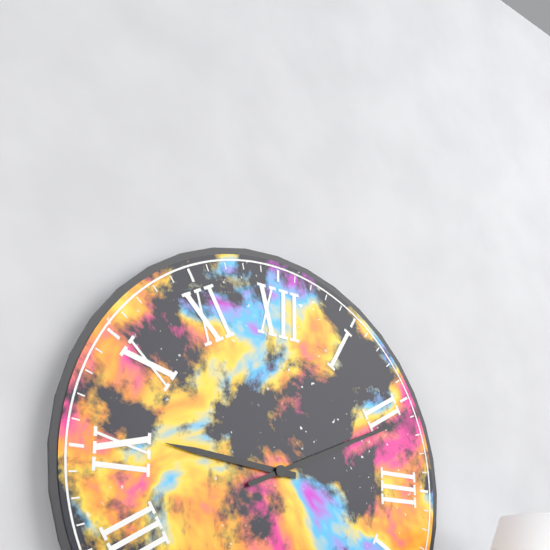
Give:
9h11
